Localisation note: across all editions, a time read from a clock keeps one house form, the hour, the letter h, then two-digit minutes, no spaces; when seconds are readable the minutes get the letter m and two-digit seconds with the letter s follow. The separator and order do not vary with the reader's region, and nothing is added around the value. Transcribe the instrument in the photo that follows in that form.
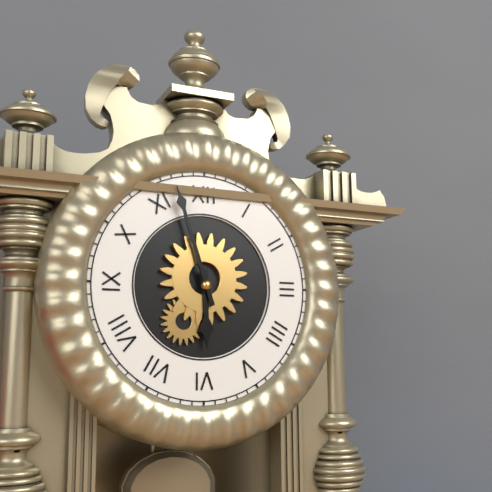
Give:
5h57
